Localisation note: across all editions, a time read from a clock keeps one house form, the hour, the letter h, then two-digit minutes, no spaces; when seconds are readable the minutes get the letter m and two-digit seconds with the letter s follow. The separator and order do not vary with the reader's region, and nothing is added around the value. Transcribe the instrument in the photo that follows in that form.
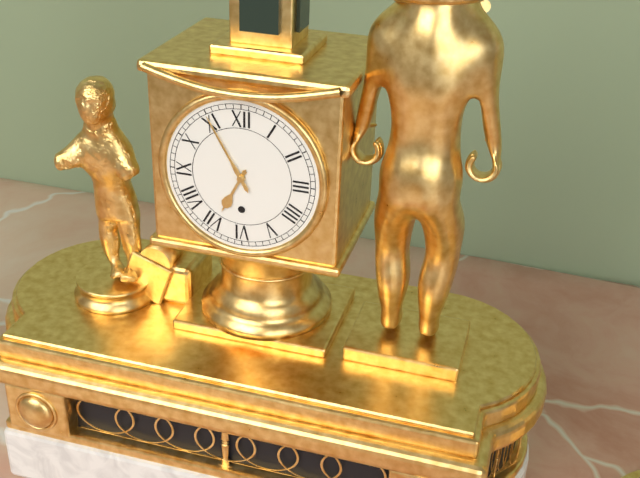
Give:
6h55
